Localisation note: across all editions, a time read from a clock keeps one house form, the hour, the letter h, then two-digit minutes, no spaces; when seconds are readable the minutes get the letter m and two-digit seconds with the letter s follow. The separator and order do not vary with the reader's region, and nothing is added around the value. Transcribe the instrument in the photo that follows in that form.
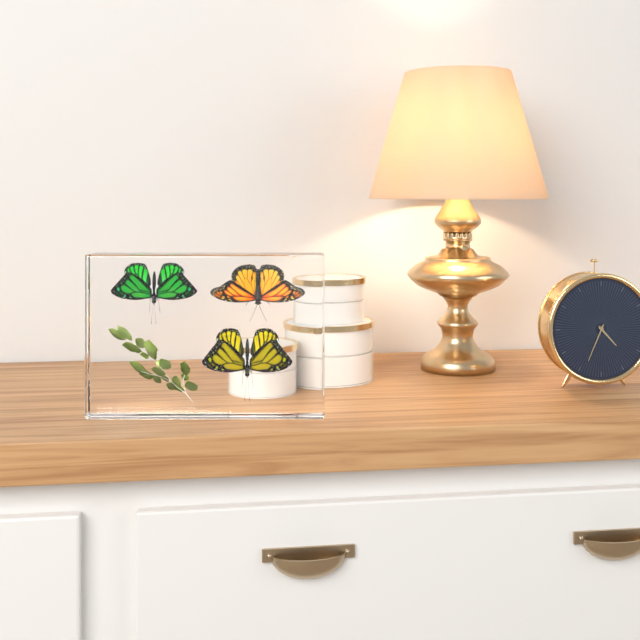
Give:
4h34
